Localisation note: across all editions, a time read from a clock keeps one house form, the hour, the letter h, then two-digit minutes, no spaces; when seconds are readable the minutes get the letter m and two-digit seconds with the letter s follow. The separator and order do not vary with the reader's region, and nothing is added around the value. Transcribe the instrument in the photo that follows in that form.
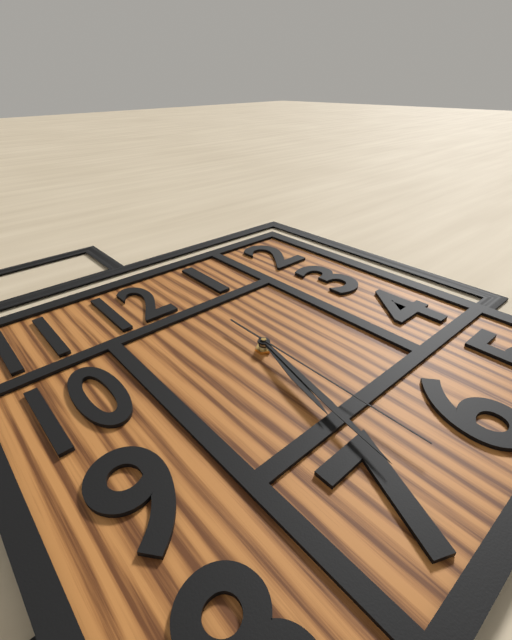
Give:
6h32m30s
